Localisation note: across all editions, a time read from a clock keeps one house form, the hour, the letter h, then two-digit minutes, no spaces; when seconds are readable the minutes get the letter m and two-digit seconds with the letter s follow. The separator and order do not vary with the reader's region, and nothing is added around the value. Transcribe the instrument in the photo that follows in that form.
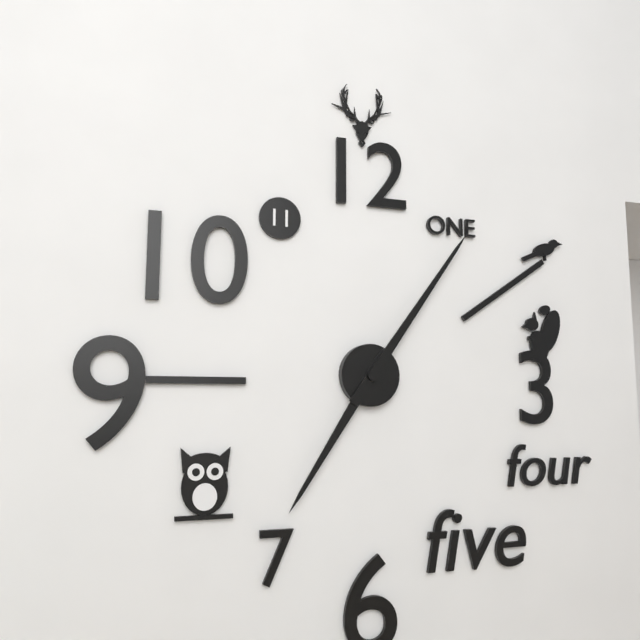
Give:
7h06
